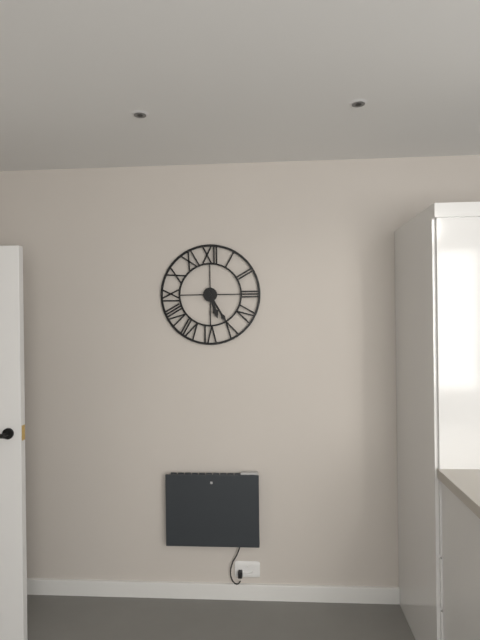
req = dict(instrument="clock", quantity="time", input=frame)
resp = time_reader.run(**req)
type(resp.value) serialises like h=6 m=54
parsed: h=5 m=25
